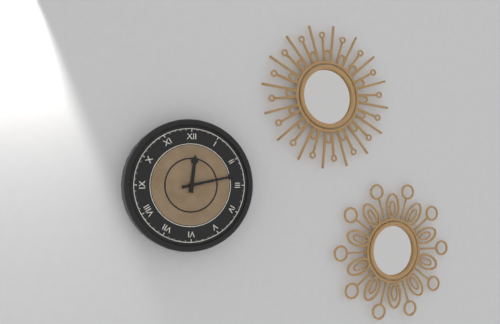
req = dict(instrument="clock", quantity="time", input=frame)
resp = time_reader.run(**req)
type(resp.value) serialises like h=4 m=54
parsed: h=12 m=13
